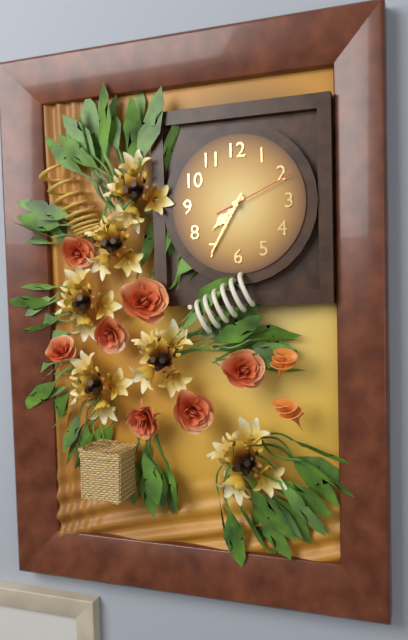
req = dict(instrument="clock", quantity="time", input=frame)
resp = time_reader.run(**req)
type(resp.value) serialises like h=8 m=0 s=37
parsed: h=7 m=35 s=11
